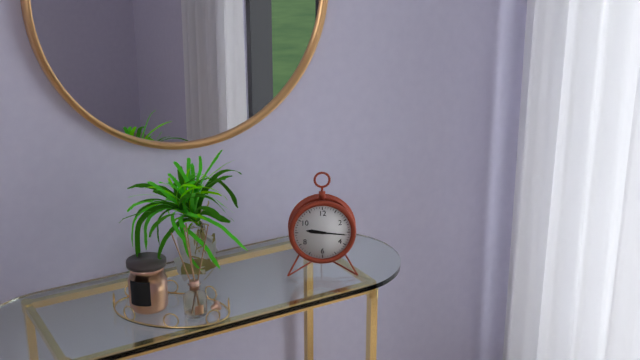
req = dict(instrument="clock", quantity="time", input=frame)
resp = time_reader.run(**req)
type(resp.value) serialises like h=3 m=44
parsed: h=9 m=16
